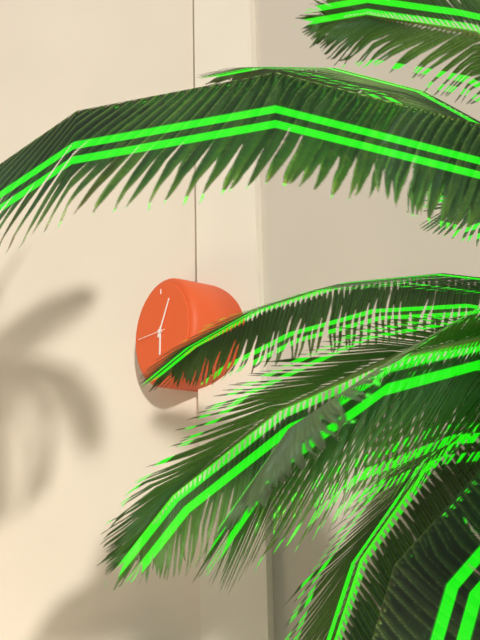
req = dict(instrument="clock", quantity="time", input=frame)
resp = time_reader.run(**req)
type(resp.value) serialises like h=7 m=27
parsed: h=6 m=5
